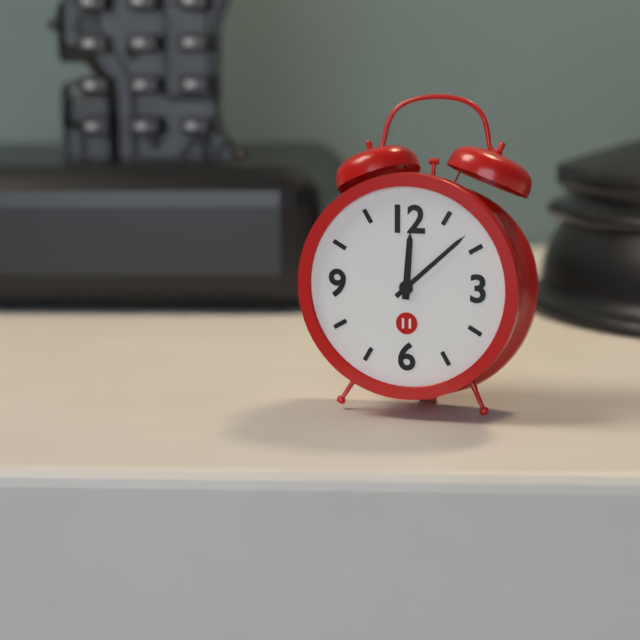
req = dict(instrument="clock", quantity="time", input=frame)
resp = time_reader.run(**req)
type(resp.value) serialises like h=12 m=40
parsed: h=12 m=8
